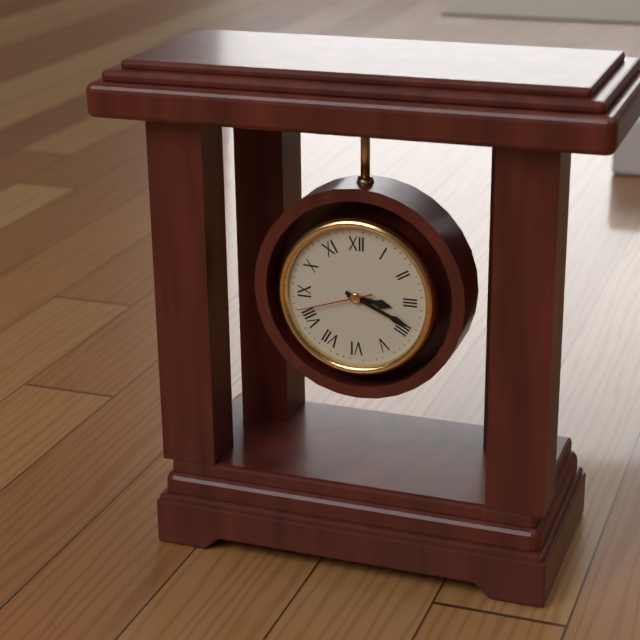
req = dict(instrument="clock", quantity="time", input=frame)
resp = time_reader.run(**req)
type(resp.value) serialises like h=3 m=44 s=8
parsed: h=3 m=19 s=42
